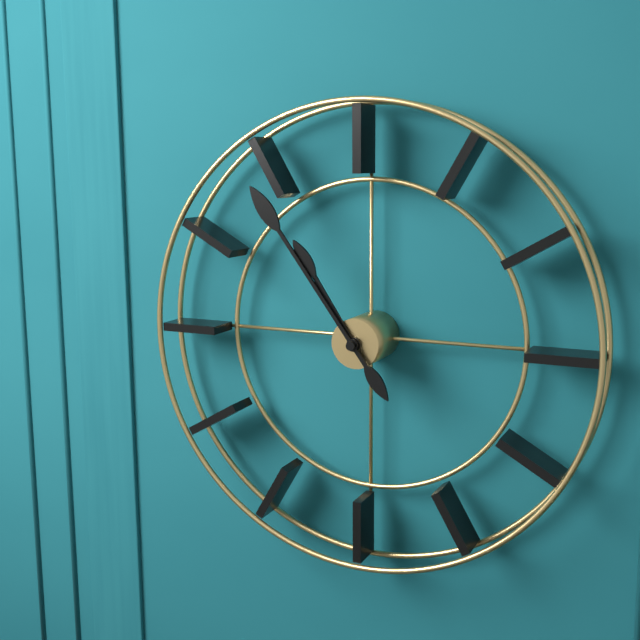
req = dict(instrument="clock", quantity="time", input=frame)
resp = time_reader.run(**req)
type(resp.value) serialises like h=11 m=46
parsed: h=10 m=54
